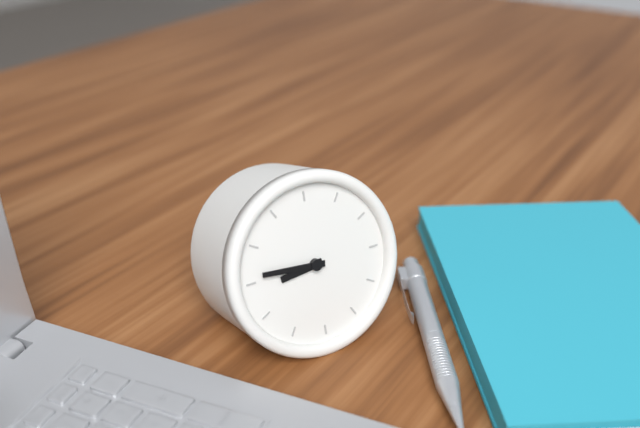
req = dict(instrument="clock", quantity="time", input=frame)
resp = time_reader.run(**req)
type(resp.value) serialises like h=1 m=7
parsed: h=8 m=46
